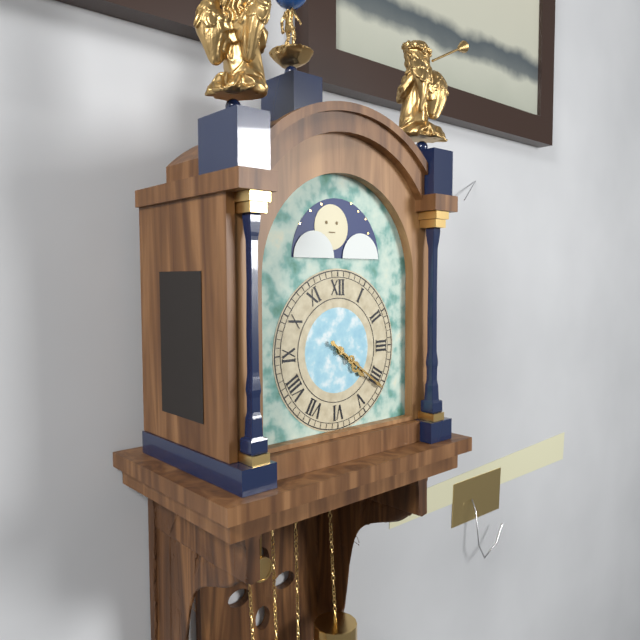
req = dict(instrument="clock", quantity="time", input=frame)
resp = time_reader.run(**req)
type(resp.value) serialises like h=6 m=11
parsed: h=4 m=21
